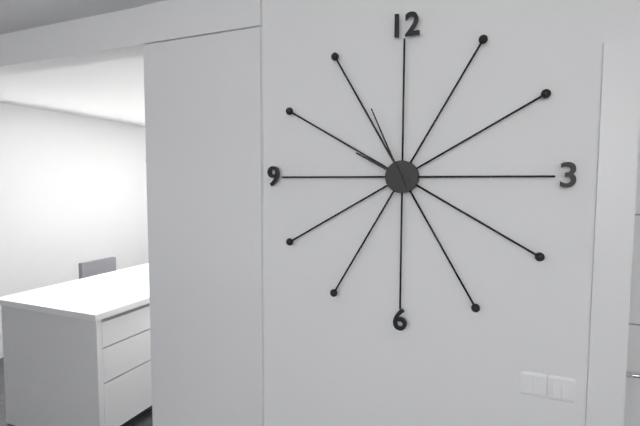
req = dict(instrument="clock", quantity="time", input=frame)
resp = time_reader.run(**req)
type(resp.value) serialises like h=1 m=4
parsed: h=9 m=56
